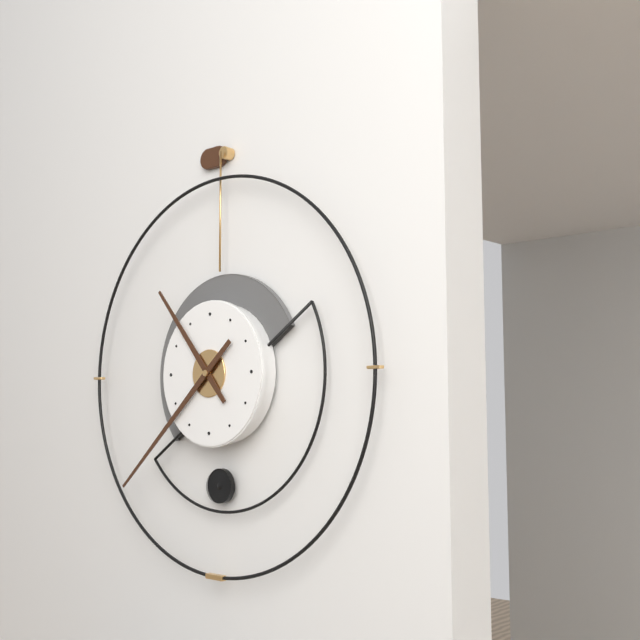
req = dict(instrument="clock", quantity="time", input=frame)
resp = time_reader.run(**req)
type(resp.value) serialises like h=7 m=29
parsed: h=10 m=38
